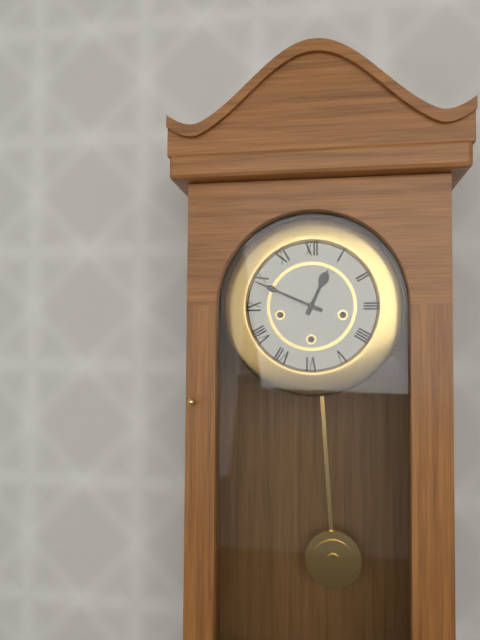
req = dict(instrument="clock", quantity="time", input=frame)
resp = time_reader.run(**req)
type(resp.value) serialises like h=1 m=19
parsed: h=12 m=49
